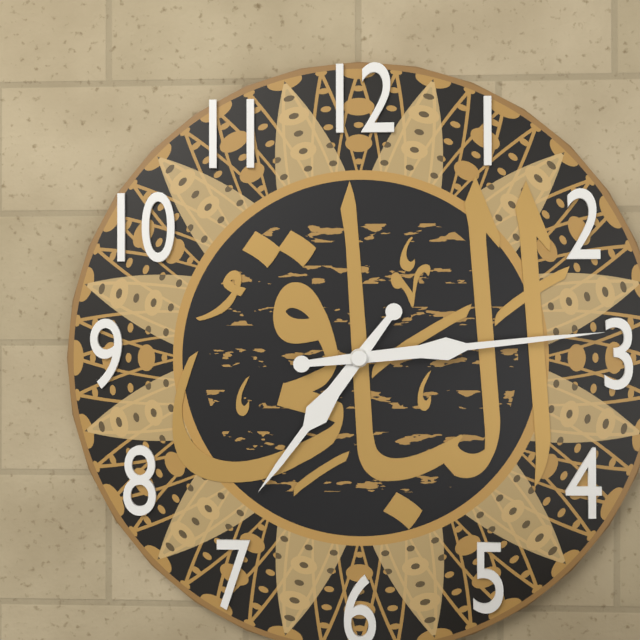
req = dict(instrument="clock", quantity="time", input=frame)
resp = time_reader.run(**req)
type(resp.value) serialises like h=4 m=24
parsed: h=7 m=14
